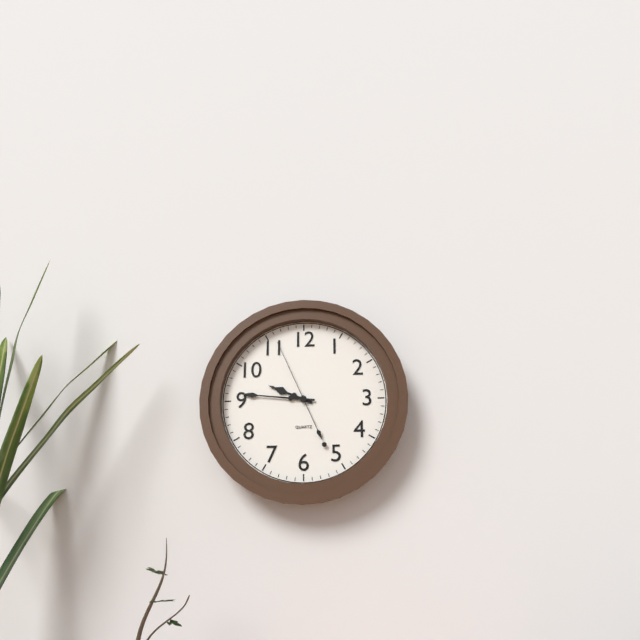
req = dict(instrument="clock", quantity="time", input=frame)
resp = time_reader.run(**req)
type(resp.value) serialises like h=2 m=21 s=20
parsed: h=9 m=46 s=56
